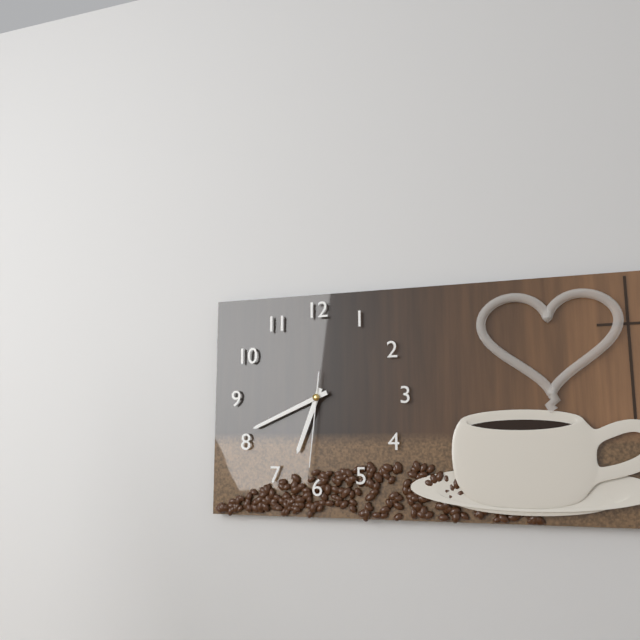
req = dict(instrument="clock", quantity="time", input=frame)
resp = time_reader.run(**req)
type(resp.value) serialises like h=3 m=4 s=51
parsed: h=6 m=41 s=31
